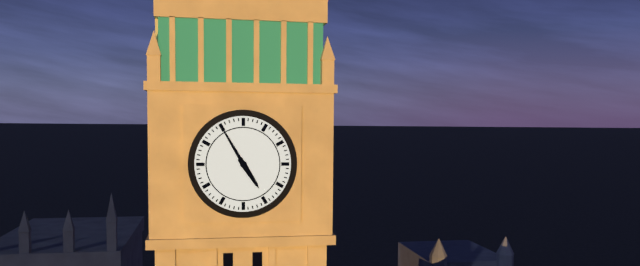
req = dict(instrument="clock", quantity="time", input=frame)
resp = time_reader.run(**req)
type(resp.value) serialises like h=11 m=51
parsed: h=4 m=55
